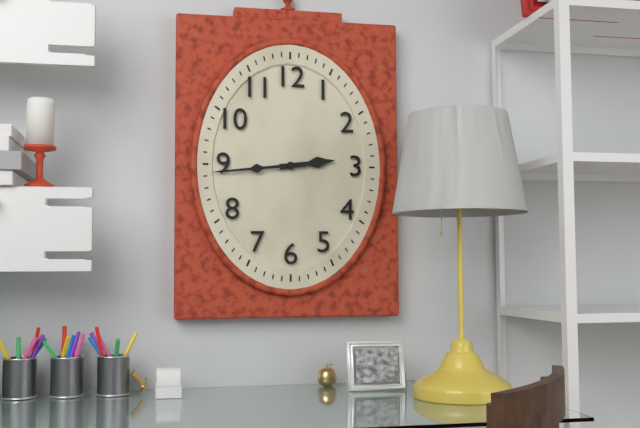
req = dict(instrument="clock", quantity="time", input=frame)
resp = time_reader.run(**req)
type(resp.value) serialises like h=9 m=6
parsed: h=2 m=44
